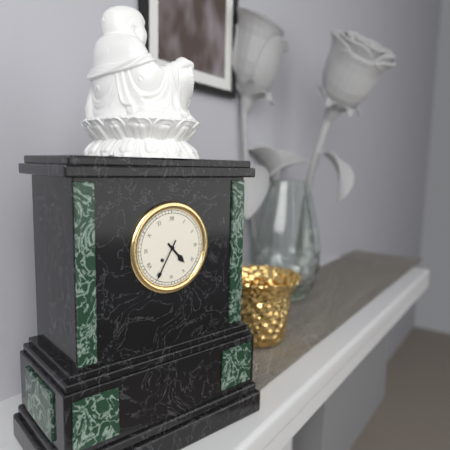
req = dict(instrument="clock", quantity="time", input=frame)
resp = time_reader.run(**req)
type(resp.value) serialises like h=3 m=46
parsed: h=4 m=35
